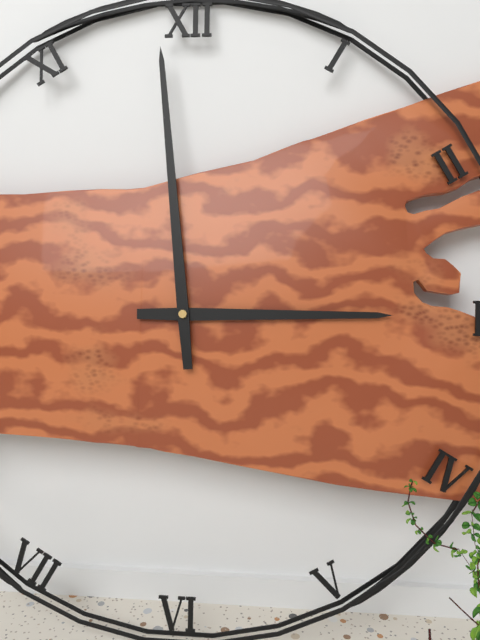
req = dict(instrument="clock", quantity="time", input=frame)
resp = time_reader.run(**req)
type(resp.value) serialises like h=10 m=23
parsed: h=2 m=59
